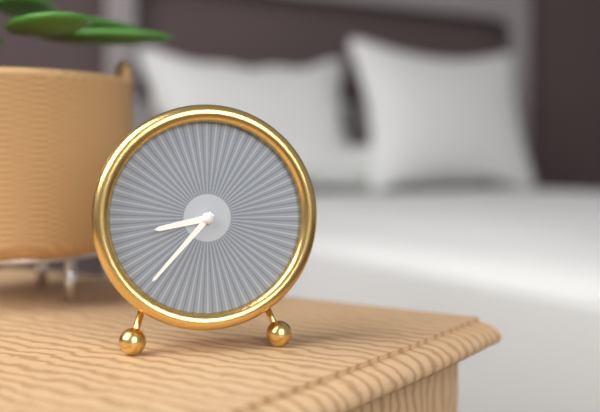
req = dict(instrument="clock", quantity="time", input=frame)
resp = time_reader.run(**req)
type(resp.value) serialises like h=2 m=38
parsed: h=8 m=37
